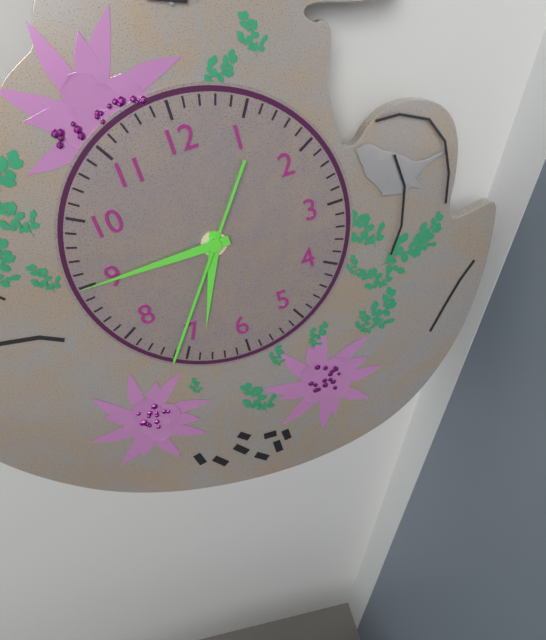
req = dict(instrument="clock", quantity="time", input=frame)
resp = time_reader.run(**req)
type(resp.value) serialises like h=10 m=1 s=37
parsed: h=6 m=45 s=36
